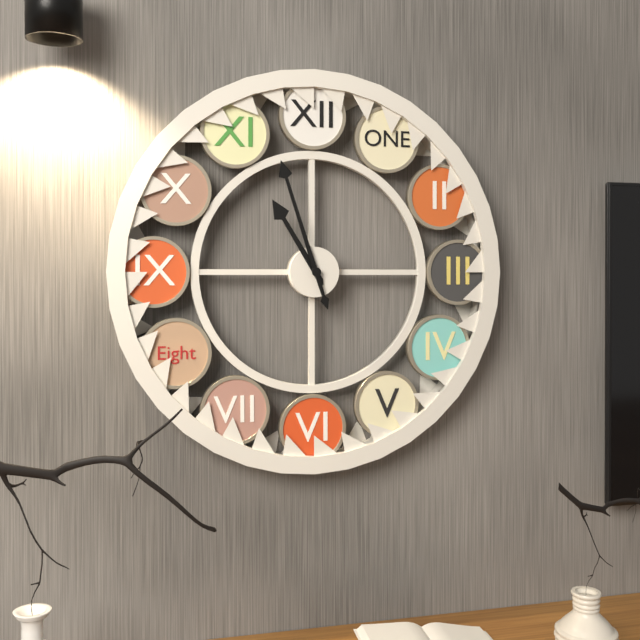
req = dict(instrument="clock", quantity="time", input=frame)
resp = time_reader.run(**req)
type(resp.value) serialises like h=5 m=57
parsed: h=10 m=57
